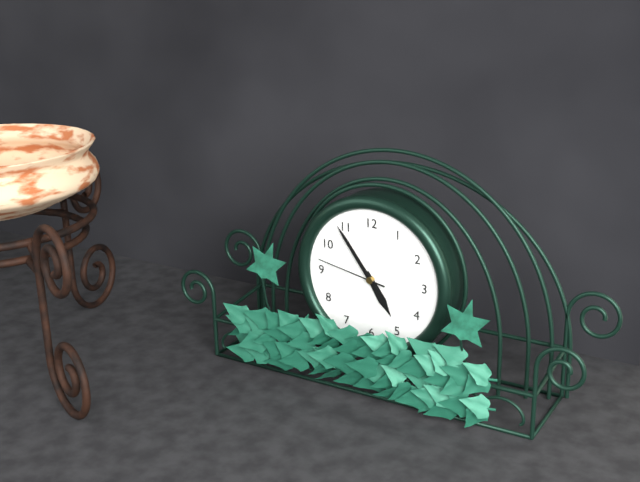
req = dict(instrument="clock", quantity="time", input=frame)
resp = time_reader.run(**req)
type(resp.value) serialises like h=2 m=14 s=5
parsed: h=4 m=54 s=47
